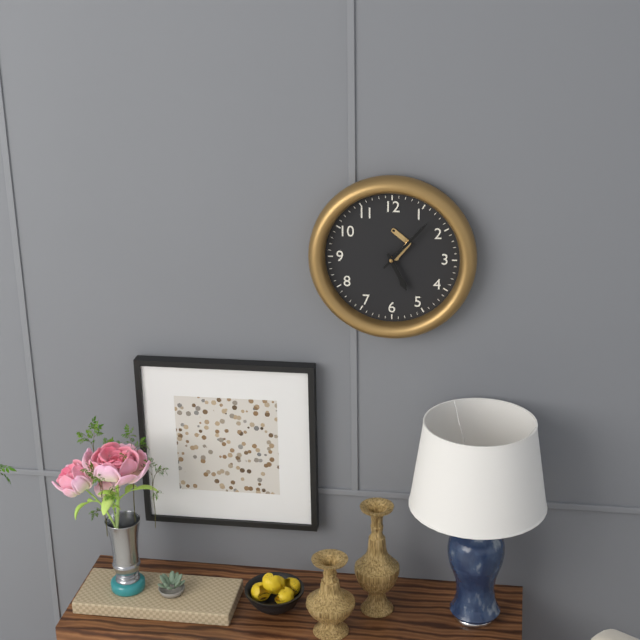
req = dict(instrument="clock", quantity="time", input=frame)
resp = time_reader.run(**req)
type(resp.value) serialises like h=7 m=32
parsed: h=5 m=7
